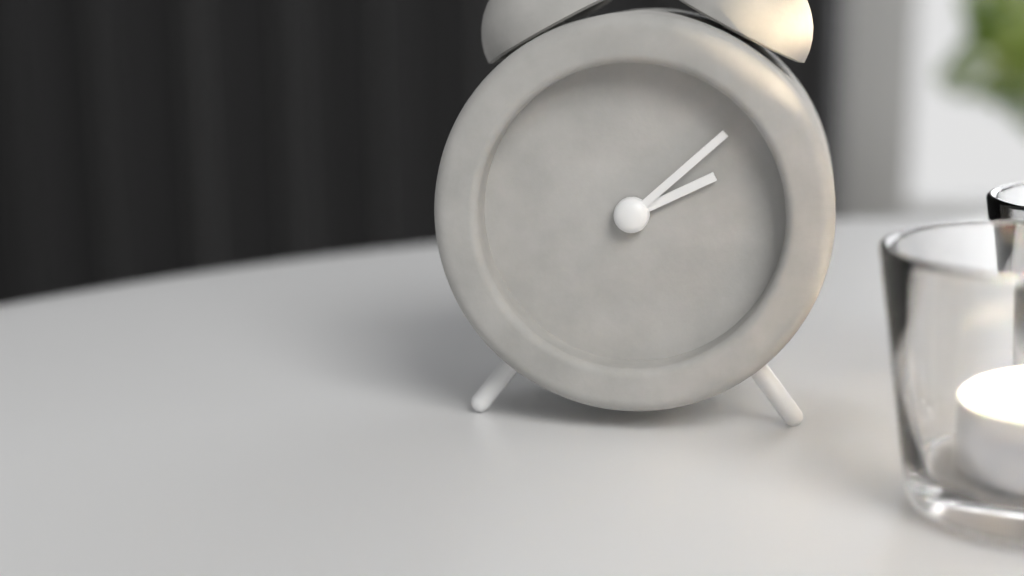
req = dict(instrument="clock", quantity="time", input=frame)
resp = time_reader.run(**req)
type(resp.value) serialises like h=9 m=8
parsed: h=2 m=8
